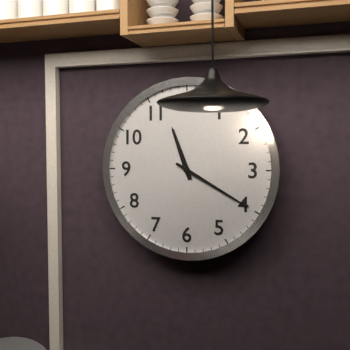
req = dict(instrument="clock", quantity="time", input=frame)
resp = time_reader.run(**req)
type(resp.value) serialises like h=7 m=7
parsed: h=11 m=20
